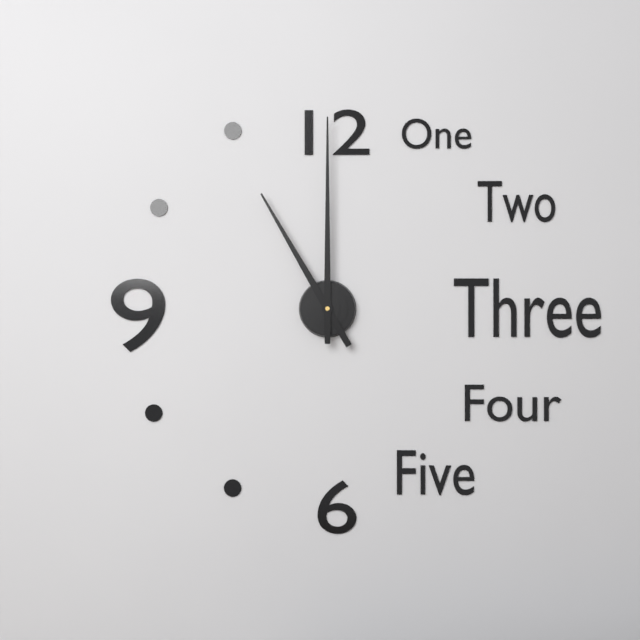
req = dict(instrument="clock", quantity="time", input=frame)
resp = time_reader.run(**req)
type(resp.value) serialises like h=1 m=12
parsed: h=11 m=0
